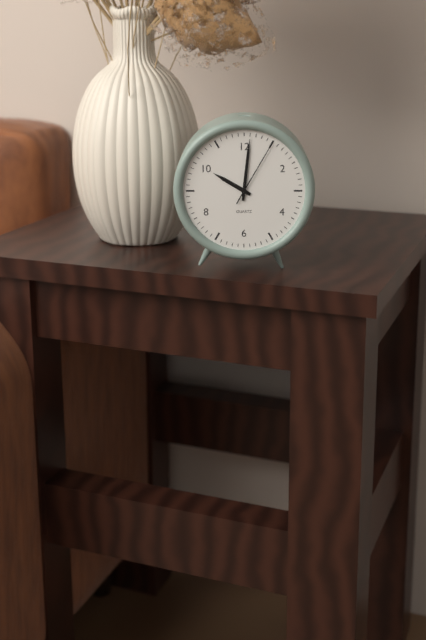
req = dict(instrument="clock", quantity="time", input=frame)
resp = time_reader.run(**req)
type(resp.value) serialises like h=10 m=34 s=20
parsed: h=10 m=1 s=5
